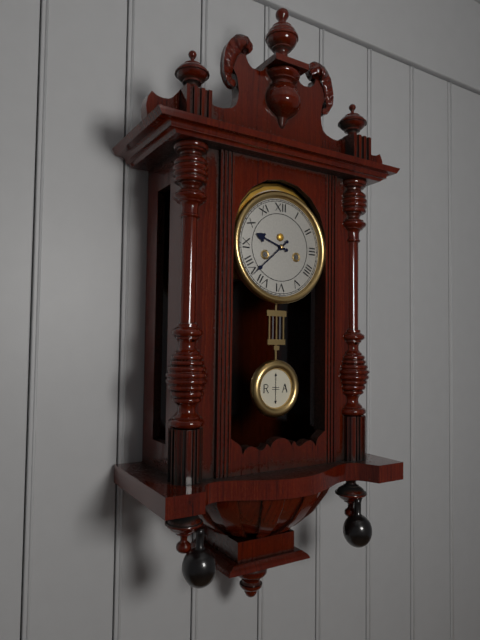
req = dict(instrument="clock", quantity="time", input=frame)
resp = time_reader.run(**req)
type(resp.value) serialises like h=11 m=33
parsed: h=9 m=38
